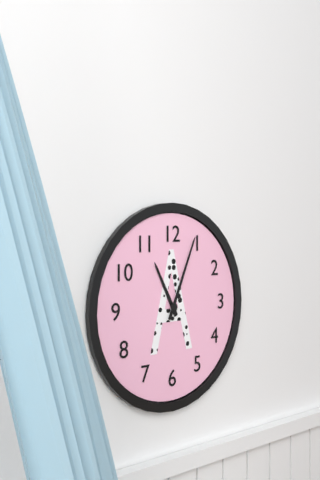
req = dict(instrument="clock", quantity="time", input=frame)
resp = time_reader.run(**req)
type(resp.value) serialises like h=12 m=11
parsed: h=11 m=4
